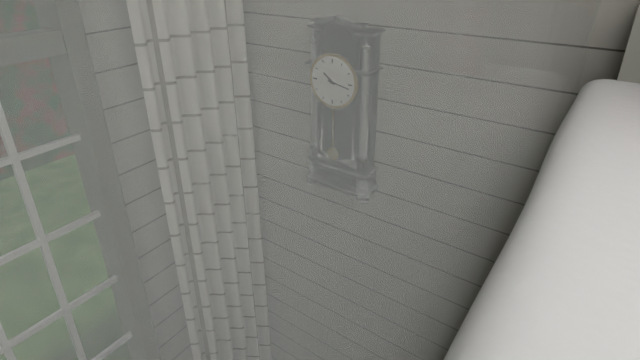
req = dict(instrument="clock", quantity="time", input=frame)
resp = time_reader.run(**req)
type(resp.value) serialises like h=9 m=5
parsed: h=10 m=17
